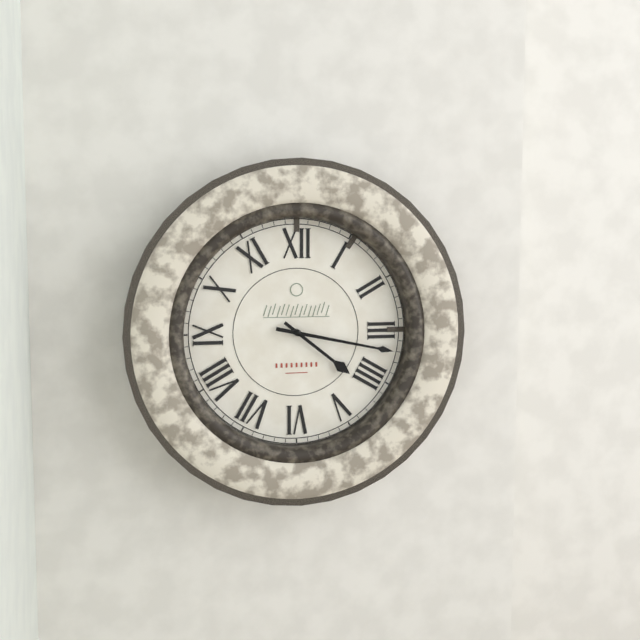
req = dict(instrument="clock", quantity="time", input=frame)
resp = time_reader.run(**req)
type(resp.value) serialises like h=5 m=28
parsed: h=4 m=17
